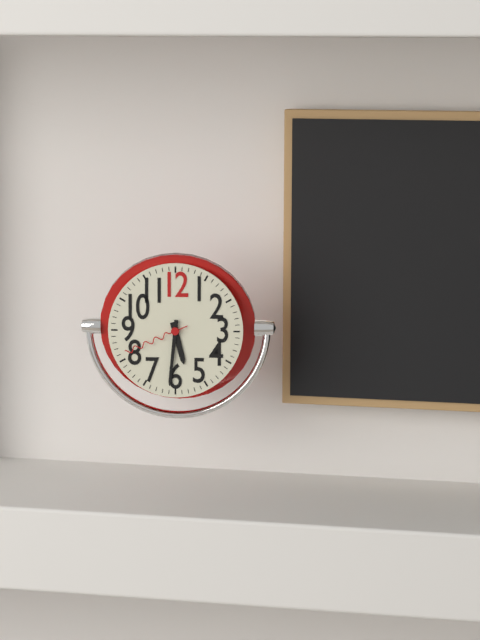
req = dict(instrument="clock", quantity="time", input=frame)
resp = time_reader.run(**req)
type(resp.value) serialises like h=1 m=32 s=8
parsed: h=5 m=31 s=41
